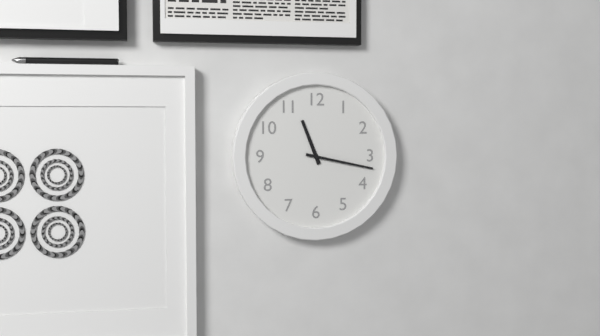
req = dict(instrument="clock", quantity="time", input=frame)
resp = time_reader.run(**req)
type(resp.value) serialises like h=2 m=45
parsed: h=11 m=17
